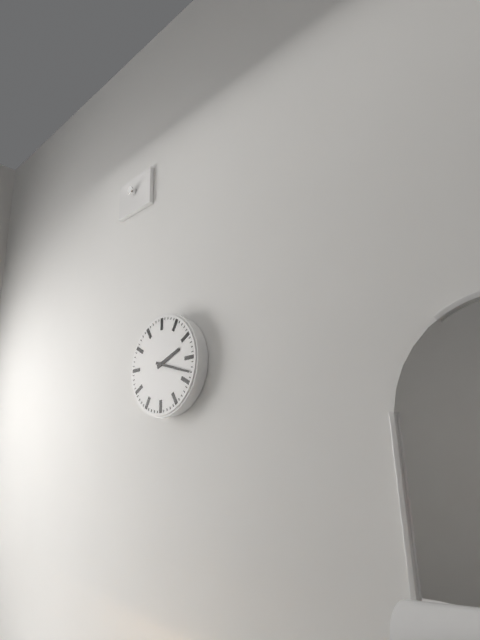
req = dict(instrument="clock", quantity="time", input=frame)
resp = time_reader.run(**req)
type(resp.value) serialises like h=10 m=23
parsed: h=2 m=18
